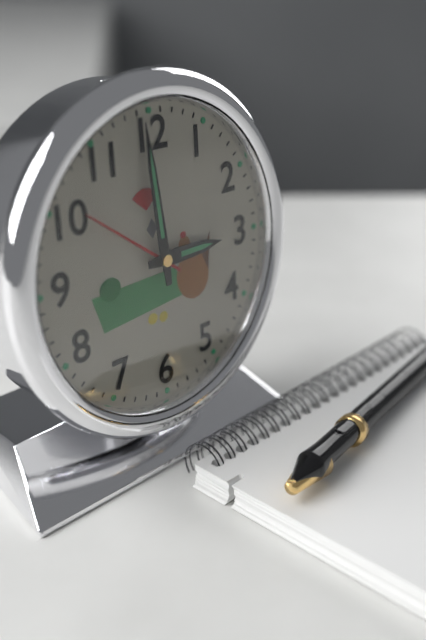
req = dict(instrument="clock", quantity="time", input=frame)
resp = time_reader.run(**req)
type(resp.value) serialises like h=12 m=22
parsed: h=2 m=59
